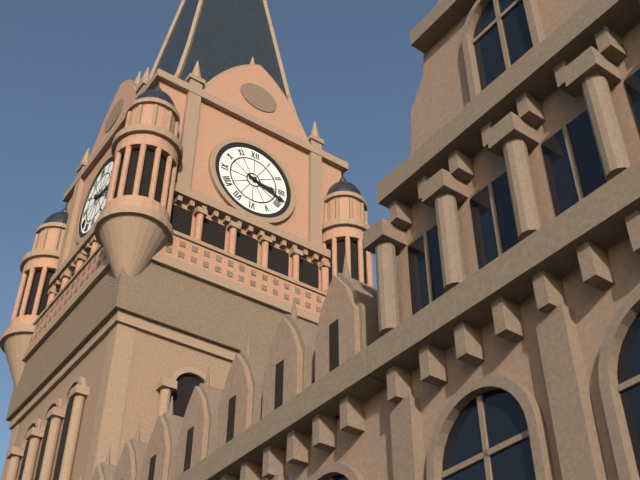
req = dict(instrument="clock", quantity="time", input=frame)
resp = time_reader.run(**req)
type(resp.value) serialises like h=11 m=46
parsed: h=3 m=18
